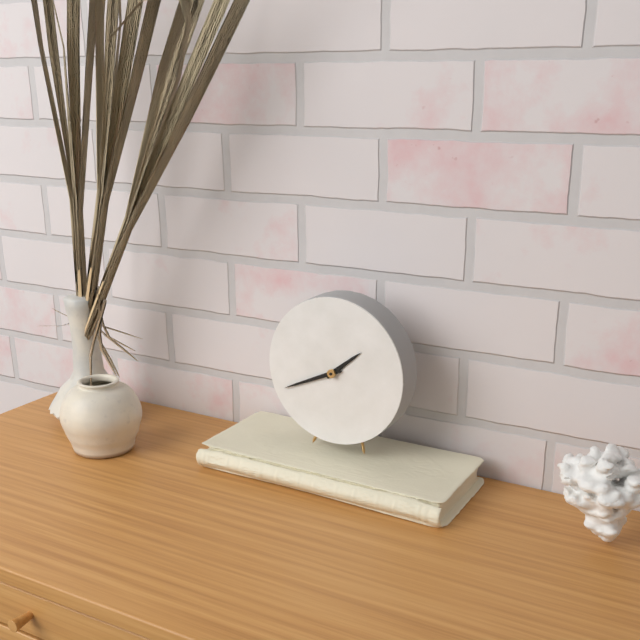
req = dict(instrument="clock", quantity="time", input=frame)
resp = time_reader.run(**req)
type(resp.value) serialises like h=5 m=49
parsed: h=1 m=41
